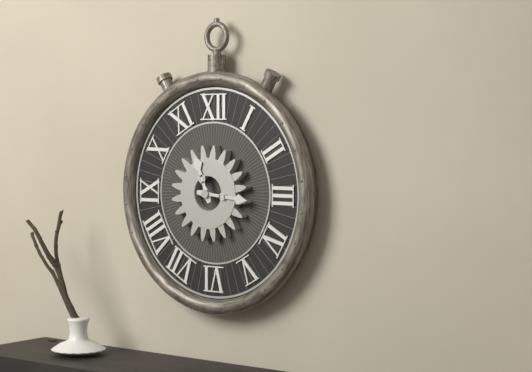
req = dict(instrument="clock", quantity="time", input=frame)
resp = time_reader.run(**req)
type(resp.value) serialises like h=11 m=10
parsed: h=11 m=16
